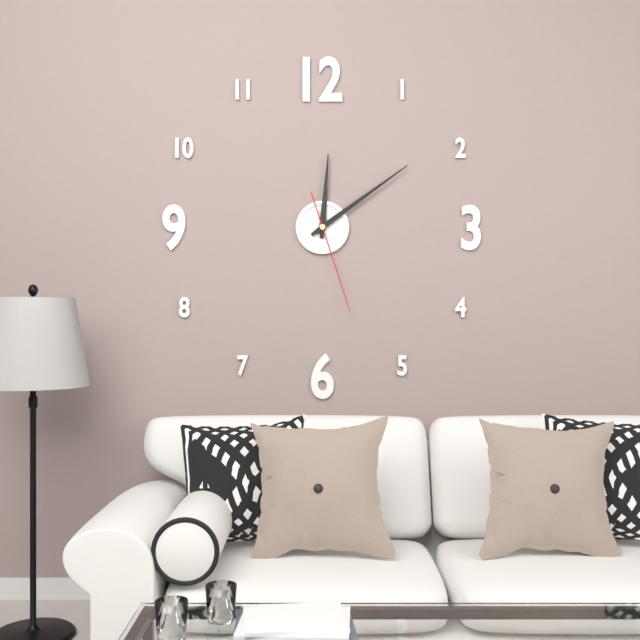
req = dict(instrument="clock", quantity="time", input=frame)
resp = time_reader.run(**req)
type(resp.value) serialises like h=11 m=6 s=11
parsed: h=12 m=9 s=27
